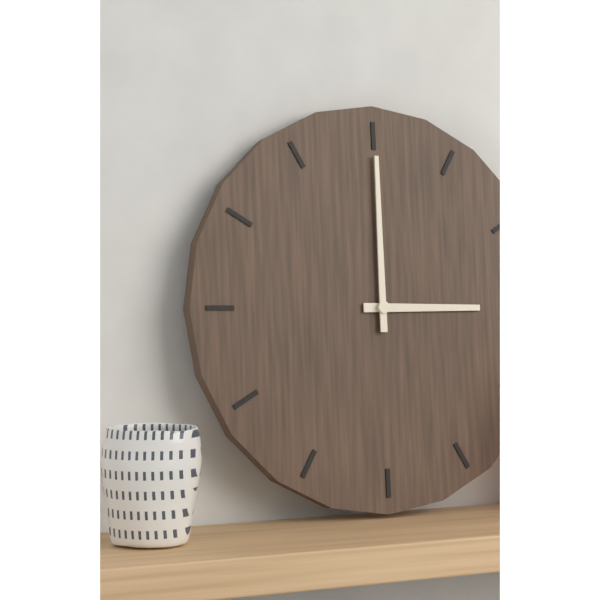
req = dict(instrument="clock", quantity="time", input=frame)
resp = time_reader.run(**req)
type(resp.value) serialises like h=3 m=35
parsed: h=3 m=0
